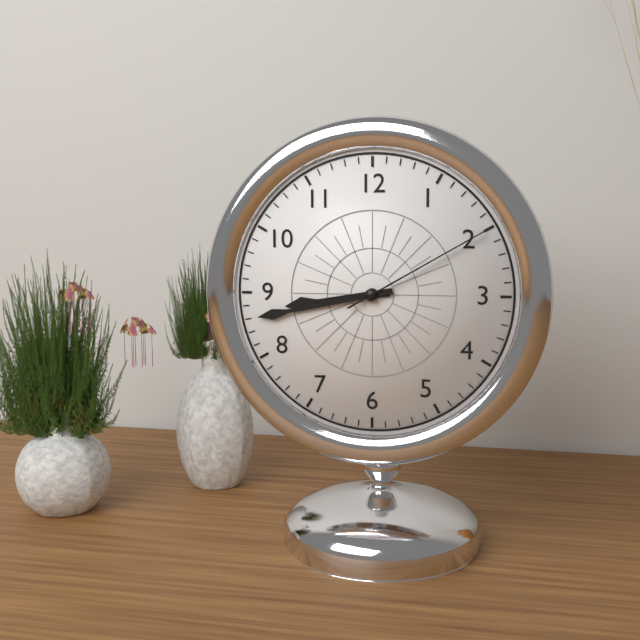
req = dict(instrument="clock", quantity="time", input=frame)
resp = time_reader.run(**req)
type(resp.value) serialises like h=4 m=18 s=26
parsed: h=8 m=43 s=10
